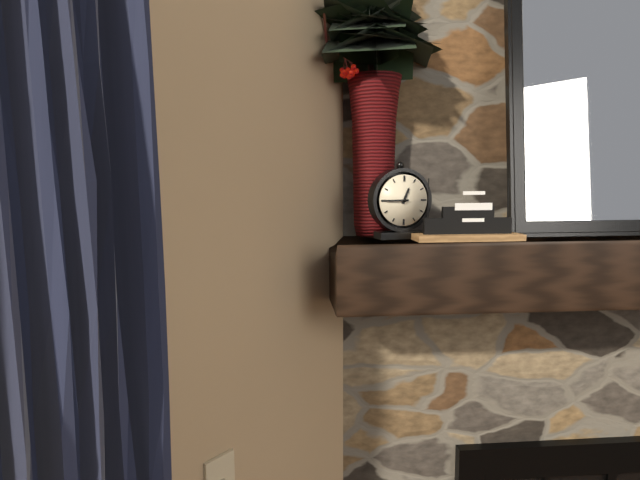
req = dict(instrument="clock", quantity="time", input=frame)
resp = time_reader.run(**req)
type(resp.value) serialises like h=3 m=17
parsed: h=12 m=45
